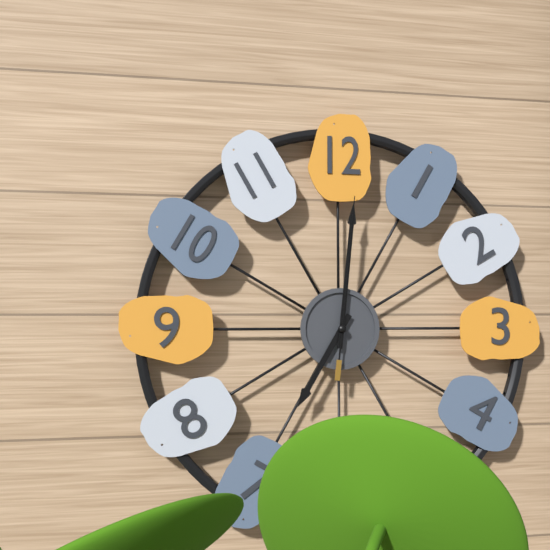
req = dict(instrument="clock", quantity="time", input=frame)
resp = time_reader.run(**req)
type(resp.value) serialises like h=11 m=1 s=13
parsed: h=7 m=1 s=1
